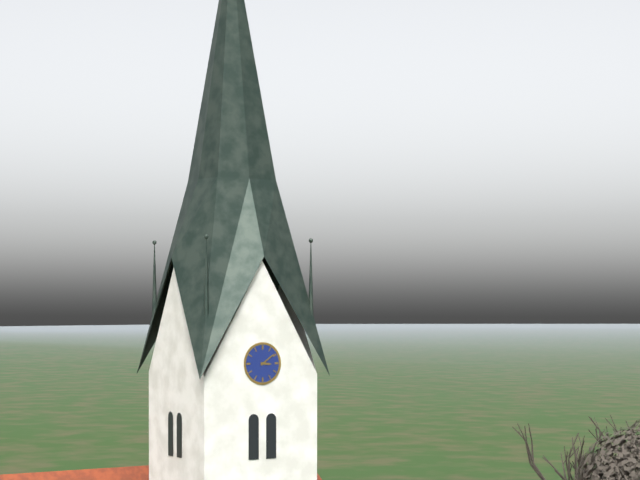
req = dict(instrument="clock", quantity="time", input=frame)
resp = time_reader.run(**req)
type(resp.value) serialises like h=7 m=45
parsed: h=3 m=9
